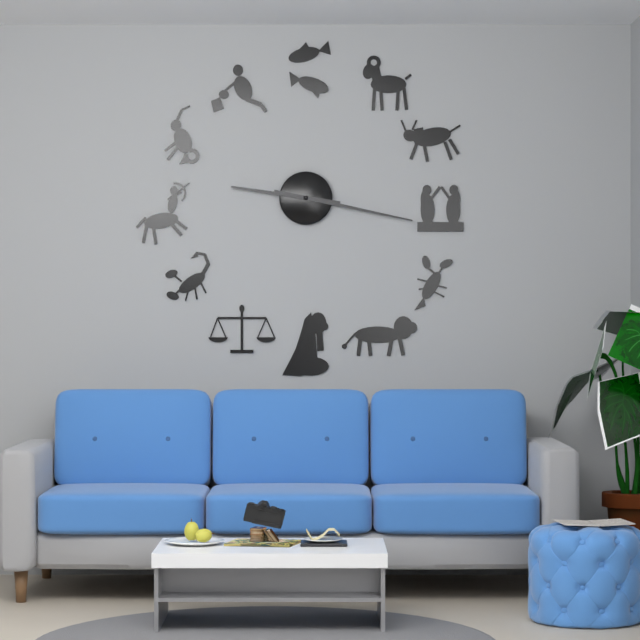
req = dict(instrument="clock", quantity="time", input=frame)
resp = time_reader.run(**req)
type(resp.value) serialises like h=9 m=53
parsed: h=9 m=17
